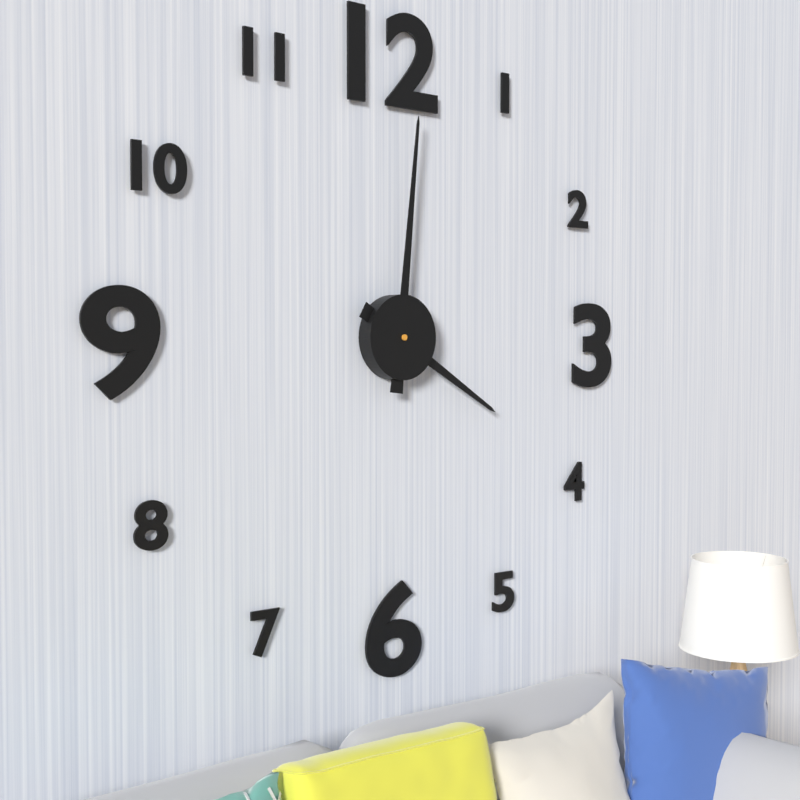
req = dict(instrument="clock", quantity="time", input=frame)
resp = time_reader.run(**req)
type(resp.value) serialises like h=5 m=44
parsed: h=4 m=1
